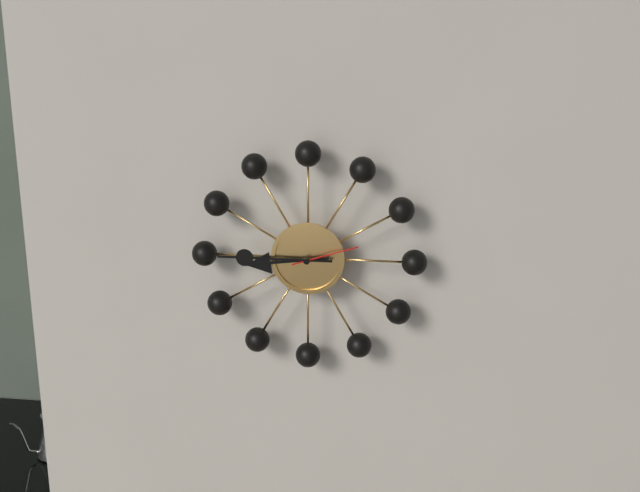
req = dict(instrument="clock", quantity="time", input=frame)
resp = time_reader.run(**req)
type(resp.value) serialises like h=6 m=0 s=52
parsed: h=8 m=45 s=12
